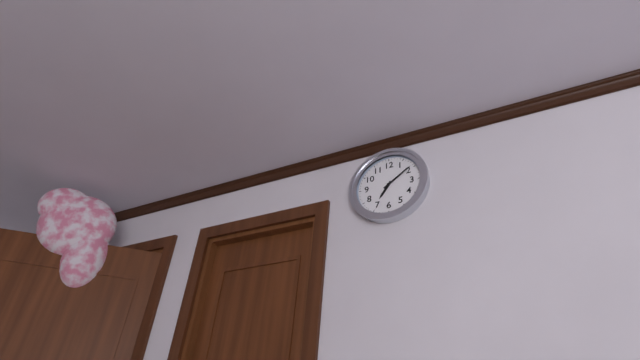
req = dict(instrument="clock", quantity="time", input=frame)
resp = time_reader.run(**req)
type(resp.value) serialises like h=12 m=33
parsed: h=7 m=9
